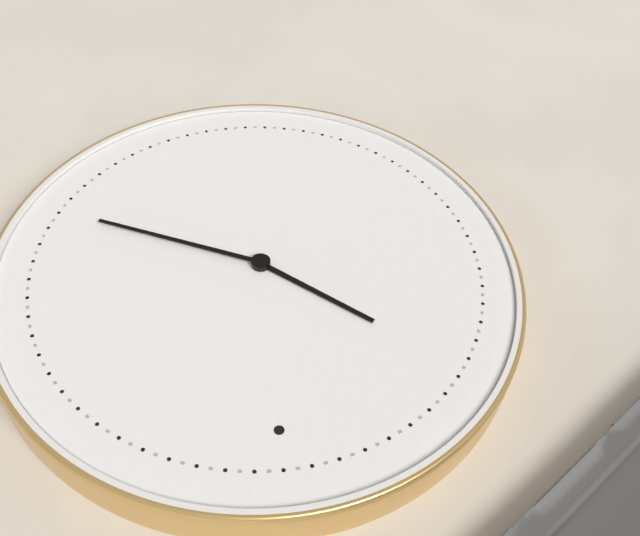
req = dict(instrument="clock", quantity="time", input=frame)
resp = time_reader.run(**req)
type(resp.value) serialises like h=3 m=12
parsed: h=10 m=19
